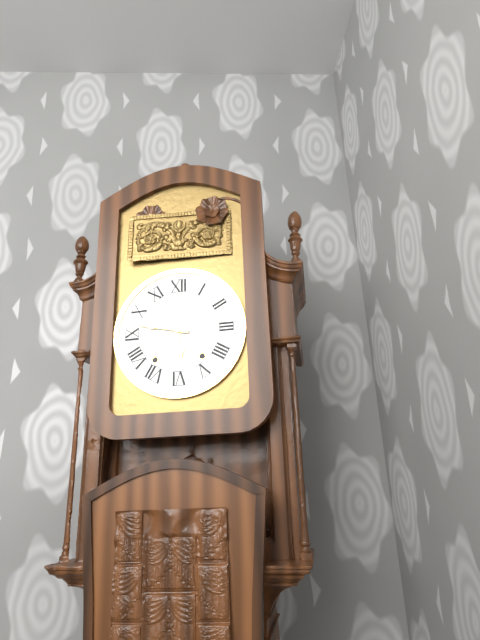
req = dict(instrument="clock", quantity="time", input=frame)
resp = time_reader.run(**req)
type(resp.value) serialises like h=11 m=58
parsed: h=5 m=47
